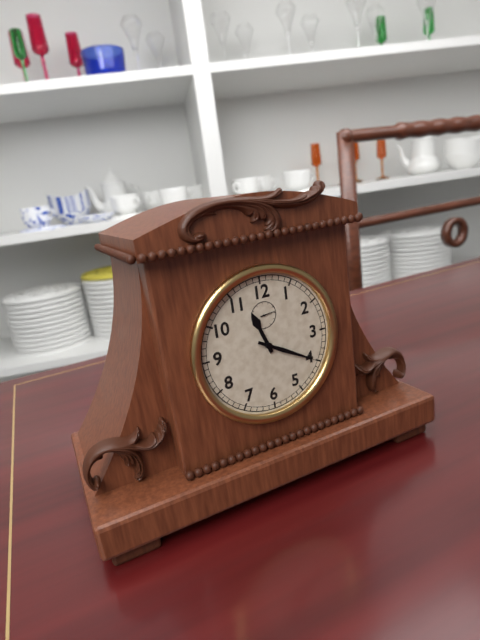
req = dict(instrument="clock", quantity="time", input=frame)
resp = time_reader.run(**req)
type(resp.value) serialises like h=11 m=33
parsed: h=11 m=20
